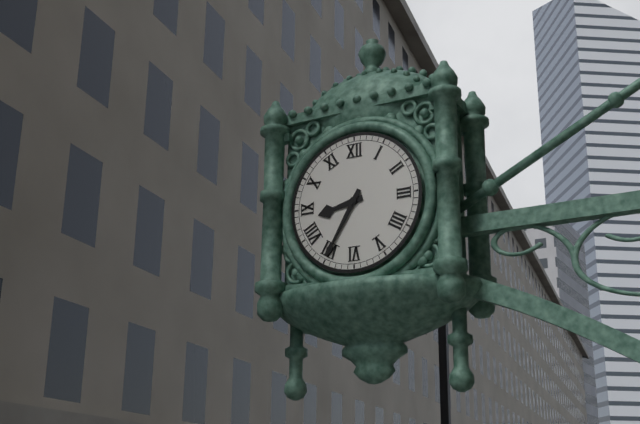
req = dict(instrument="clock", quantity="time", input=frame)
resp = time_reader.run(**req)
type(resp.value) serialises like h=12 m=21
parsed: h=8 m=35
